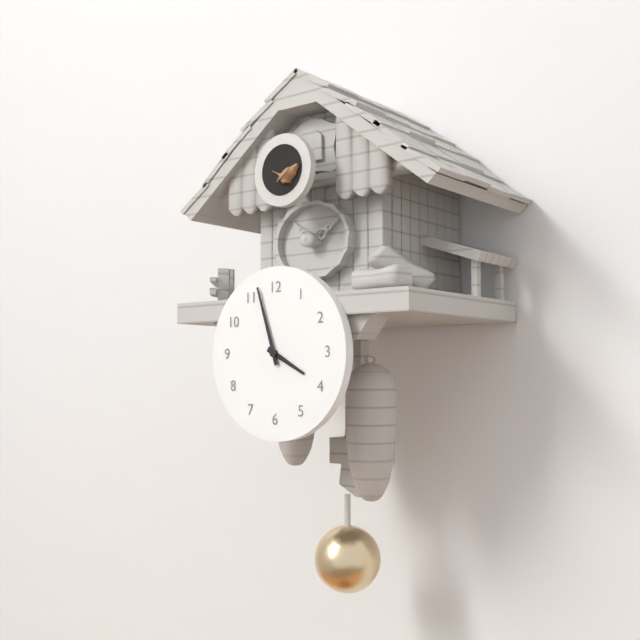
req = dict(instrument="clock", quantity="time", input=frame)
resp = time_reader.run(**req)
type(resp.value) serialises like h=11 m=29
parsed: h=3 m=57
